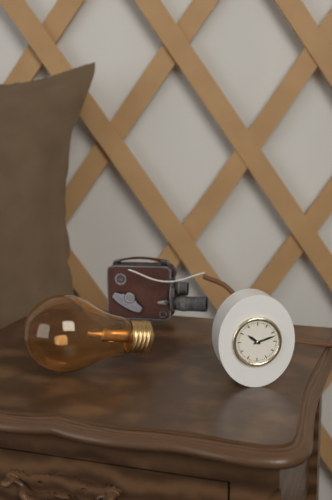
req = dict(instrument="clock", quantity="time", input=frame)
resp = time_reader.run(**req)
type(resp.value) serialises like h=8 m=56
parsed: h=10 m=12
